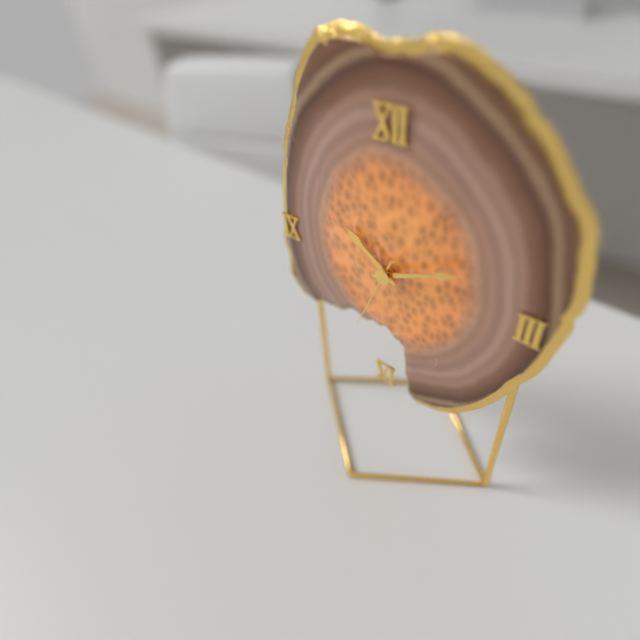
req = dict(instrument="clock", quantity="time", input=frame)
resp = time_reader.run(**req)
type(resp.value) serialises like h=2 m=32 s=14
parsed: h=10 m=11 s=34
